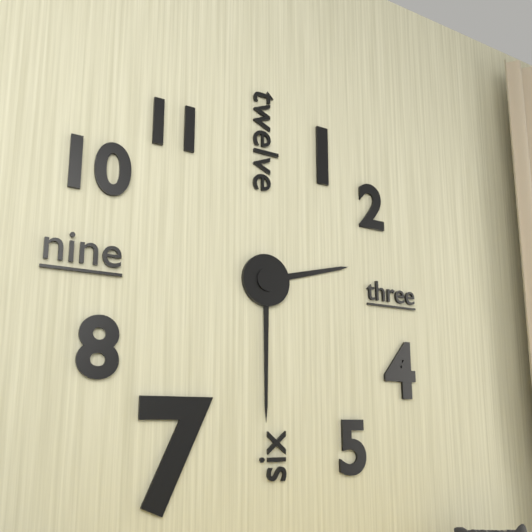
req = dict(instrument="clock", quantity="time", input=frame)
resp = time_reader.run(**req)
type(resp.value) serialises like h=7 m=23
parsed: h=2 m=30
